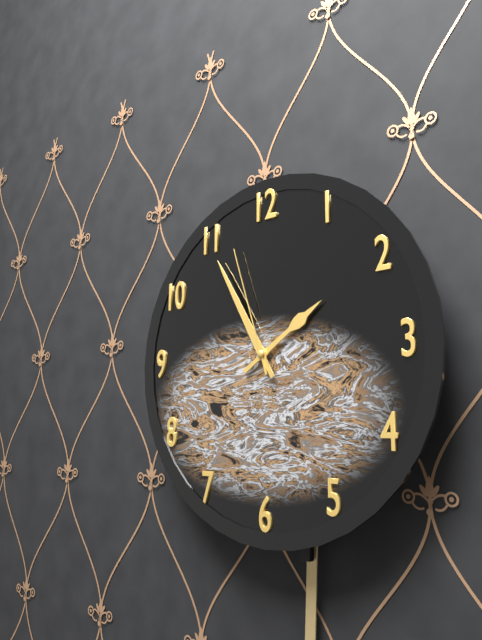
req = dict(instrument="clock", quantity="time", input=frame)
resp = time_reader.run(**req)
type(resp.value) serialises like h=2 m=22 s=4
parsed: h=1 m=55 s=57
